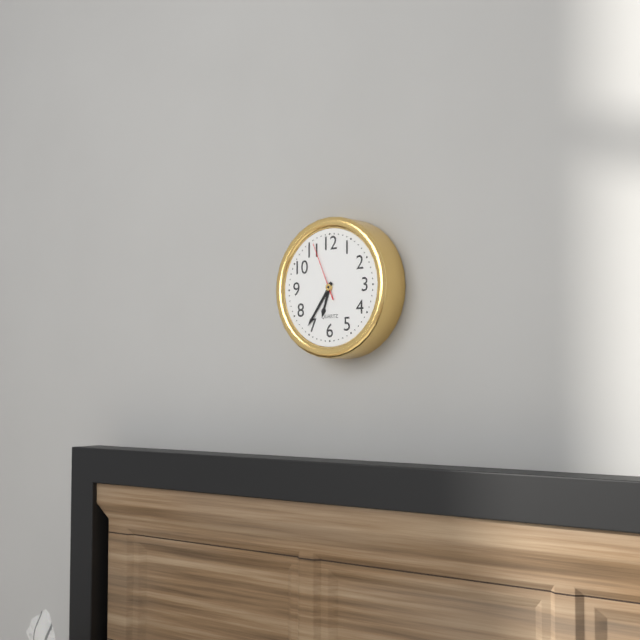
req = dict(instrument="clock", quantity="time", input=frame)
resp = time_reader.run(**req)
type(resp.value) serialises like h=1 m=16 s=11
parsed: h=6 m=36 s=56
